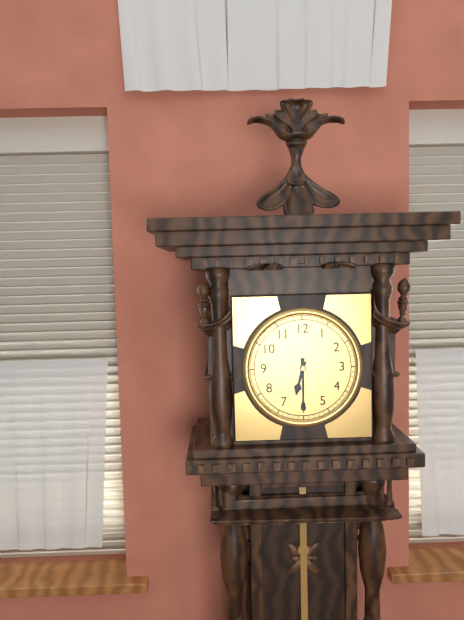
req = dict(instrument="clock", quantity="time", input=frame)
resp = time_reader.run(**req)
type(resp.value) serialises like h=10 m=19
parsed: h=6 m=30
